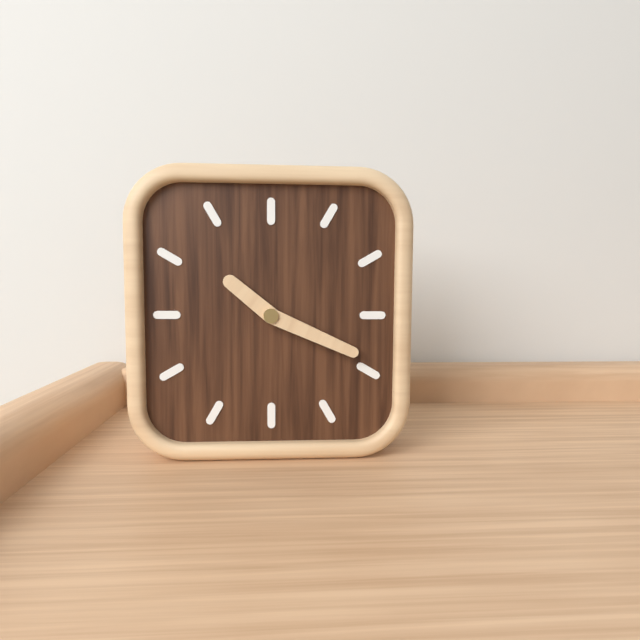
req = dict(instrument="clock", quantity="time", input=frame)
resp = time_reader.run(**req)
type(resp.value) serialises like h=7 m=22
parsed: h=10 m=19
